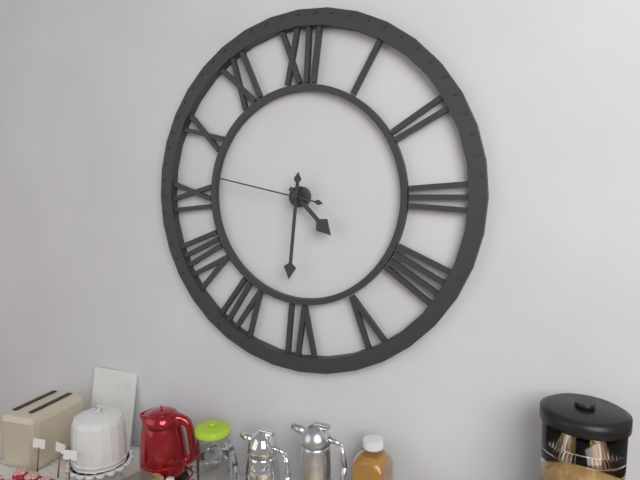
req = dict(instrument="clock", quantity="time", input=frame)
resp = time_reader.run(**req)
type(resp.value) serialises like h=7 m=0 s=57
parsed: h=4 m=31 s=47
